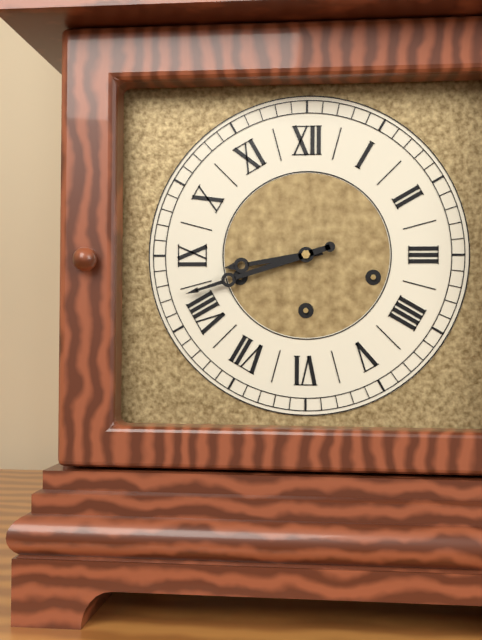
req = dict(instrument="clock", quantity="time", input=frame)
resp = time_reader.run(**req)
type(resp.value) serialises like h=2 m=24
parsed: h=8 m=42
